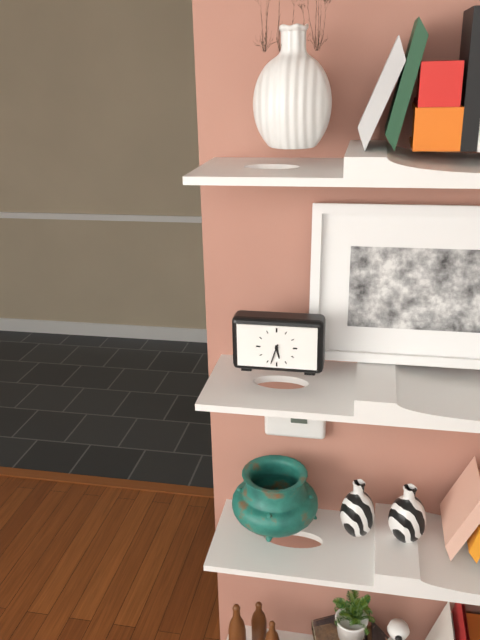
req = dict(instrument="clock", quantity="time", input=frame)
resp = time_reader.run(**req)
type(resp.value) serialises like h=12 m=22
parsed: h=5 m=33
